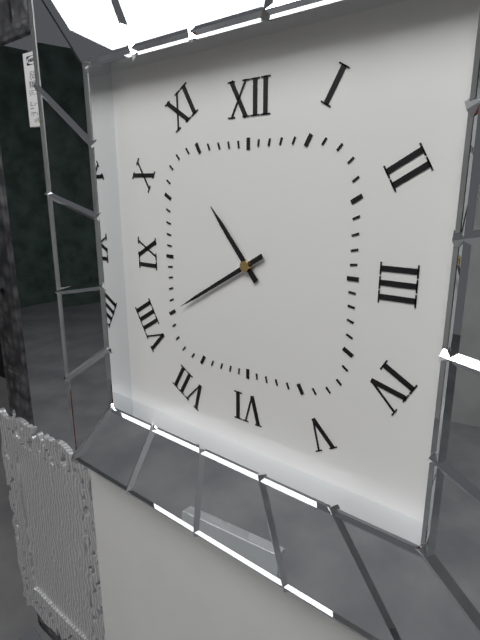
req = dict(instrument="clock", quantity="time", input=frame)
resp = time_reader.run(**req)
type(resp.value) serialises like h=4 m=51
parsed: h=10 m=40
